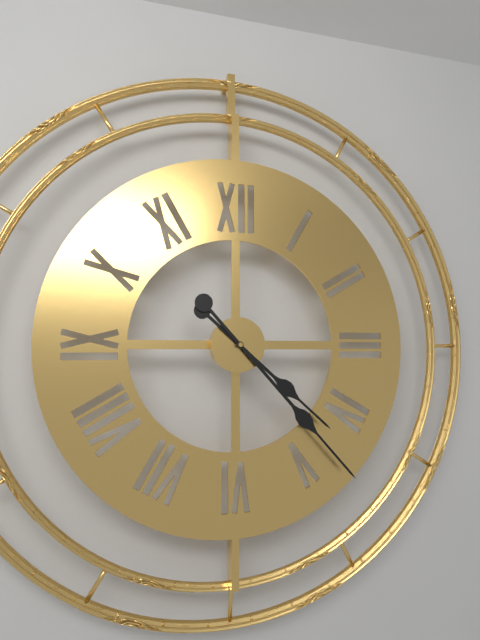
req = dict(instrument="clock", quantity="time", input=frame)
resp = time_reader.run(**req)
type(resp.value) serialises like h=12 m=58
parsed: h=4 m=23
